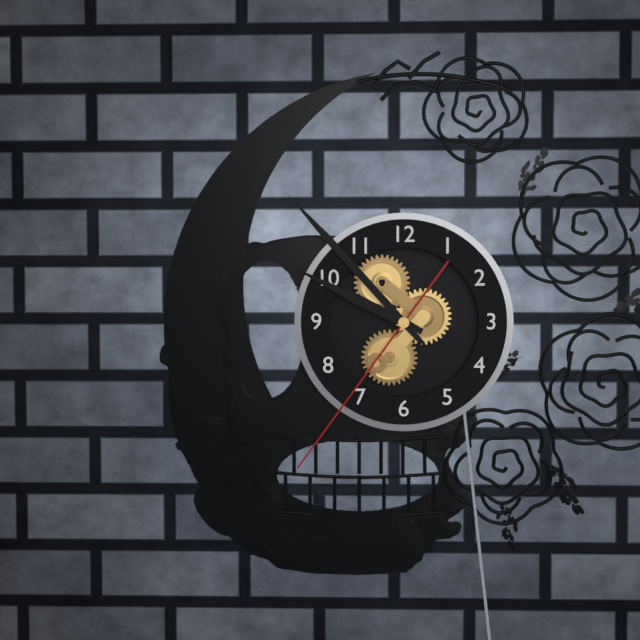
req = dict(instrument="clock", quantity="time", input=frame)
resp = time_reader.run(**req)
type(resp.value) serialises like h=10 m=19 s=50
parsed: h=9 m=53 s=36
